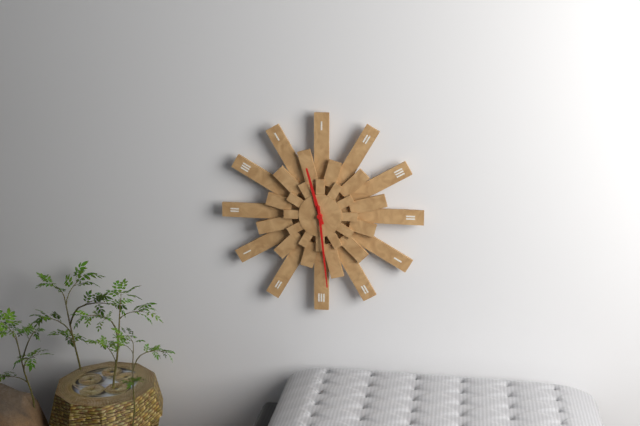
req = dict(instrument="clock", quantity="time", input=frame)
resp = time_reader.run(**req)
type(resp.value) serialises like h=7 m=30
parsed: h=11 m=29
